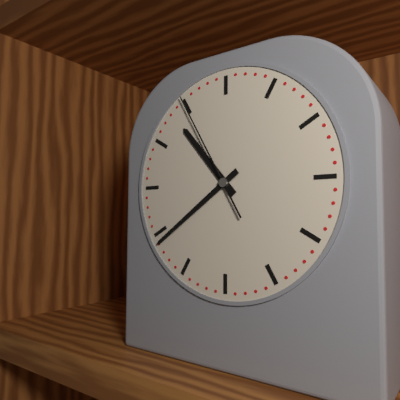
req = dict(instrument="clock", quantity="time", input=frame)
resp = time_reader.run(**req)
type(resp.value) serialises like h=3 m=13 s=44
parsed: h=10 m=39 s=55
